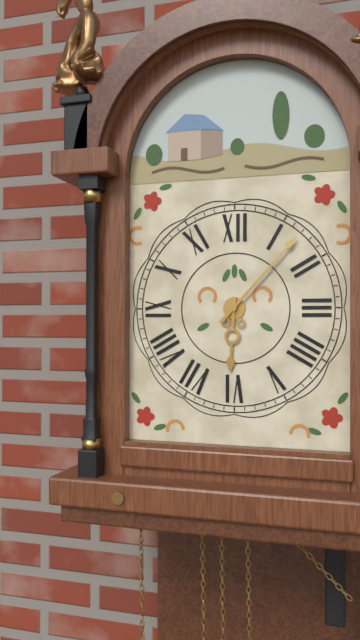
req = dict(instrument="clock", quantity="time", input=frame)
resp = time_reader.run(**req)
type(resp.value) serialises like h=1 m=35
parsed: h=6 m=7
